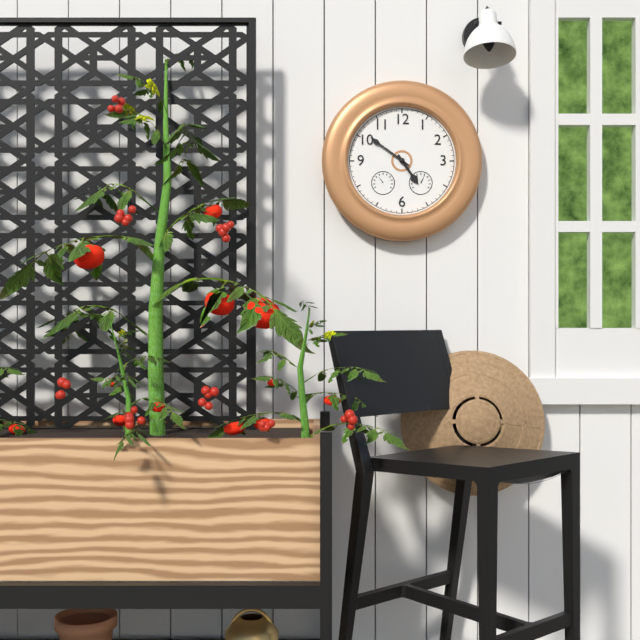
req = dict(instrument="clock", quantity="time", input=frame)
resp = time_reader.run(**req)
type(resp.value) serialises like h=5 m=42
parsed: h=4 m=51
